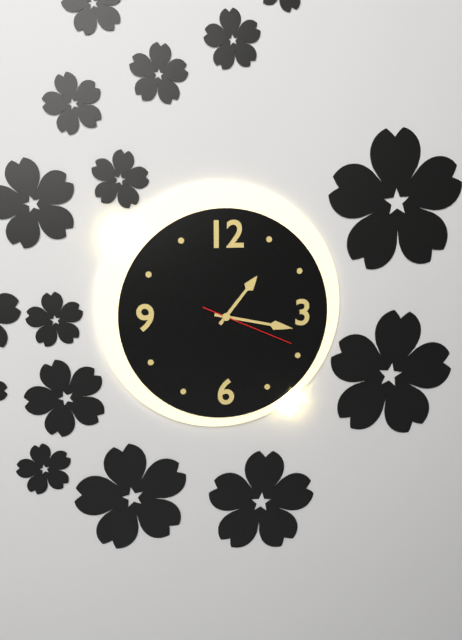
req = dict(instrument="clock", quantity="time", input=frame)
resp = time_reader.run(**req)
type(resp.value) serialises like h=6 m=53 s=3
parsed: h=1 m=17 s=19
